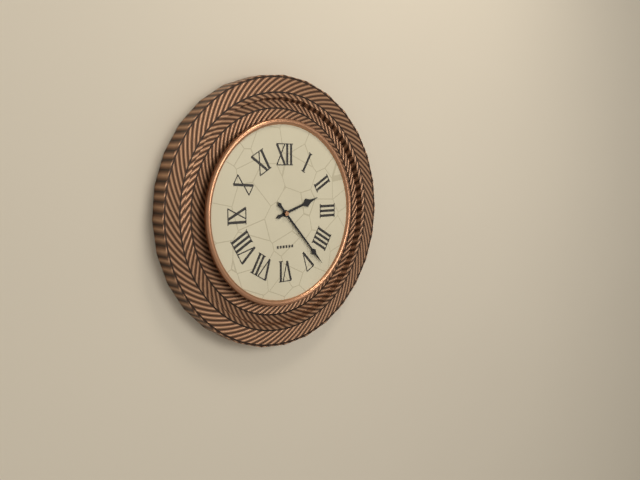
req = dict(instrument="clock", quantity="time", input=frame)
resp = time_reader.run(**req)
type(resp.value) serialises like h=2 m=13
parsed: h=2 m=23
